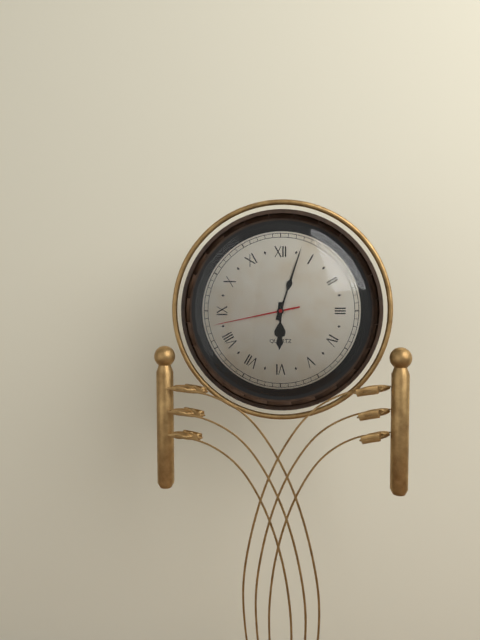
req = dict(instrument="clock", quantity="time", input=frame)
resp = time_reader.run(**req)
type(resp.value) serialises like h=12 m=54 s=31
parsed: h=6 m=3 s=43
